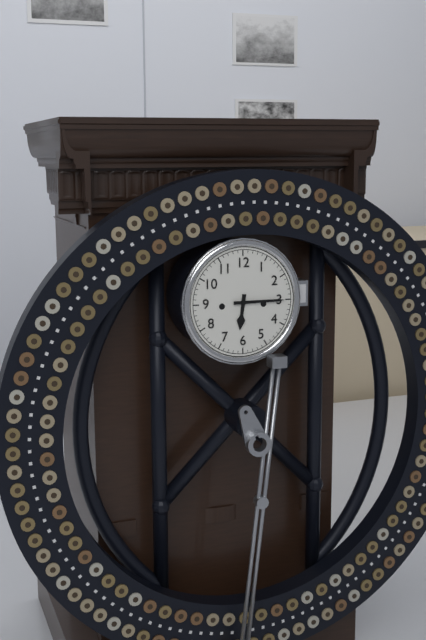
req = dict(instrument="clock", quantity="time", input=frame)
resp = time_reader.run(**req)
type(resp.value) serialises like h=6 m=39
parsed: h=6 m=15
